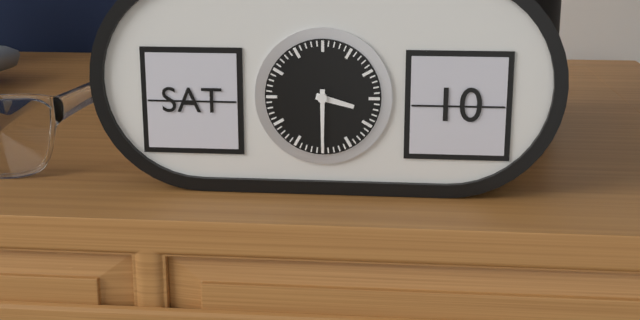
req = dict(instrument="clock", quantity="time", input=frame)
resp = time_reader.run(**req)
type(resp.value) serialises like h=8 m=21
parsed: h=3 m=30
